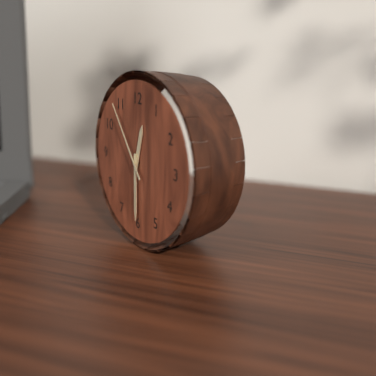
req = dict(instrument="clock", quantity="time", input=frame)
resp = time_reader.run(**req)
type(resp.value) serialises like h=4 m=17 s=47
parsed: h=12 m=30 s=54
